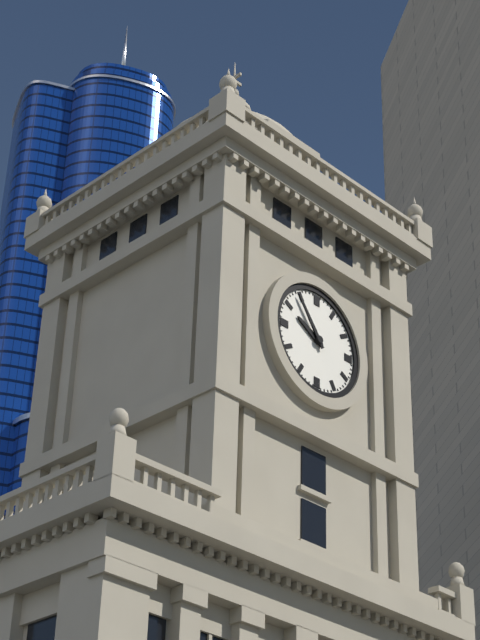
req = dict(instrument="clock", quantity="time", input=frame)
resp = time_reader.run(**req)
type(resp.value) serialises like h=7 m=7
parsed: h=9 m=54
